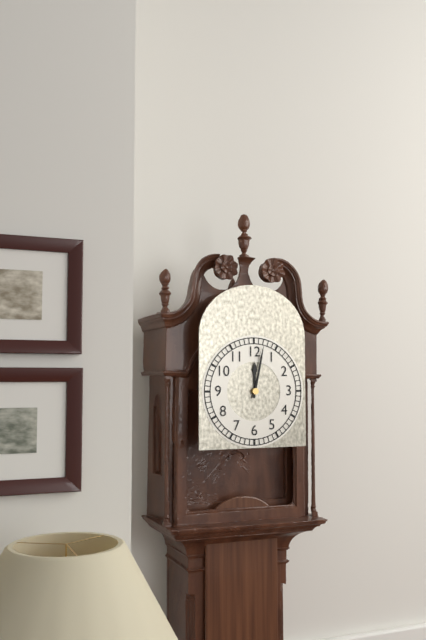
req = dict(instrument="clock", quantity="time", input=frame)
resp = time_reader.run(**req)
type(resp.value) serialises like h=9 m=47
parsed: h=12 m=2
